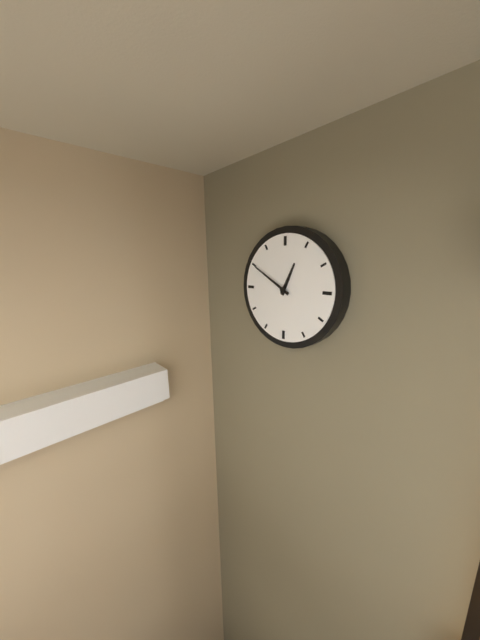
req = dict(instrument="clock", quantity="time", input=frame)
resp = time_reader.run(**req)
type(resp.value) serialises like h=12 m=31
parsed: h=12 m=50
